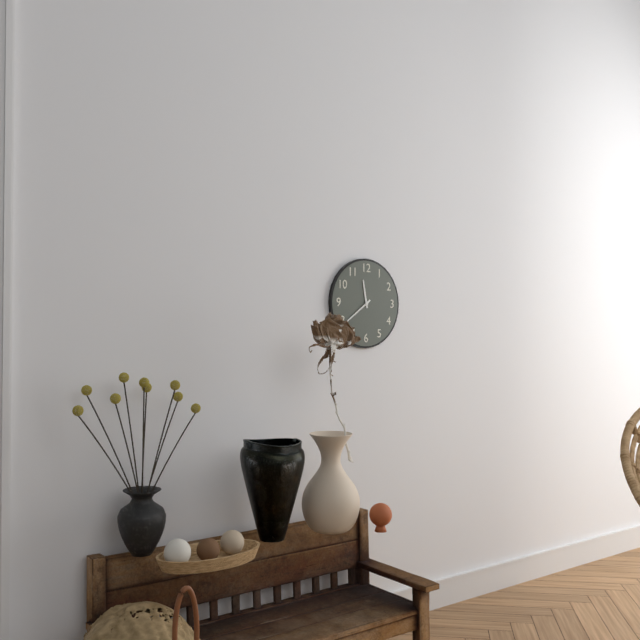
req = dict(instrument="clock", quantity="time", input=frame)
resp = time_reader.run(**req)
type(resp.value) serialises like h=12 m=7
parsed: h=11 m=39
